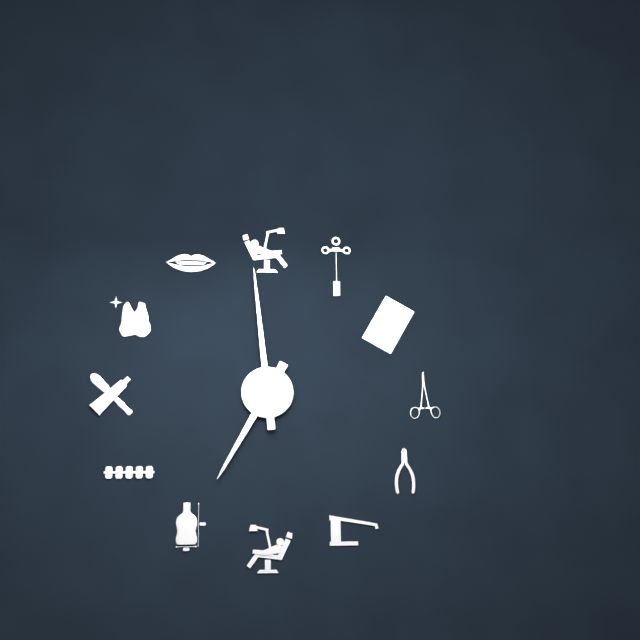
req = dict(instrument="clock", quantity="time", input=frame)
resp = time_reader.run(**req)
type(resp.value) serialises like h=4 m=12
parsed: h=6 m=59
